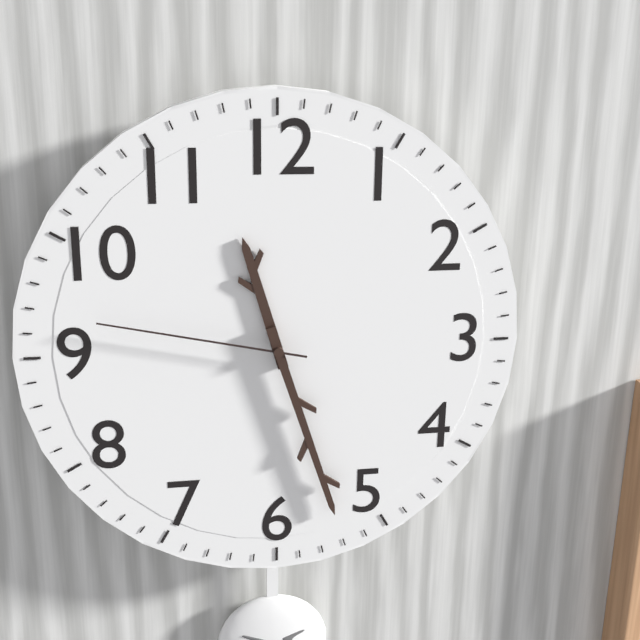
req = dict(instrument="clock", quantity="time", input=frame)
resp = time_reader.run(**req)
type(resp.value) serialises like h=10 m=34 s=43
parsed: h=11 m=27 s=47
